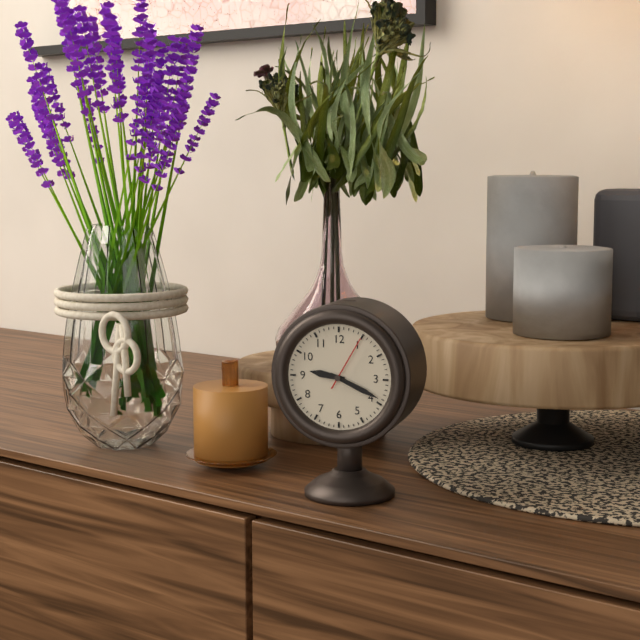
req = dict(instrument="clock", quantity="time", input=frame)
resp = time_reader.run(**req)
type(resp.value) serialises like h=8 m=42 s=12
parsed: h=9 m=19 s=5
